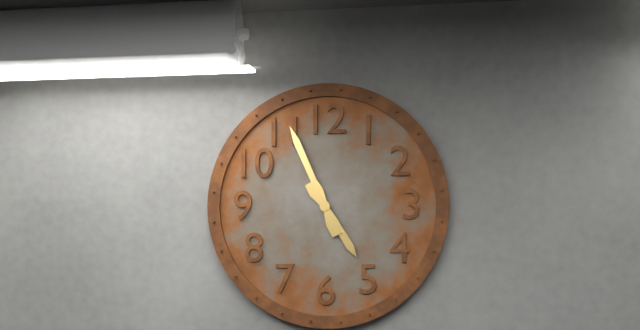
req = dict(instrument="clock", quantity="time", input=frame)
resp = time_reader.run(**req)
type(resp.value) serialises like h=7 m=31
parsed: h=4 m=56
